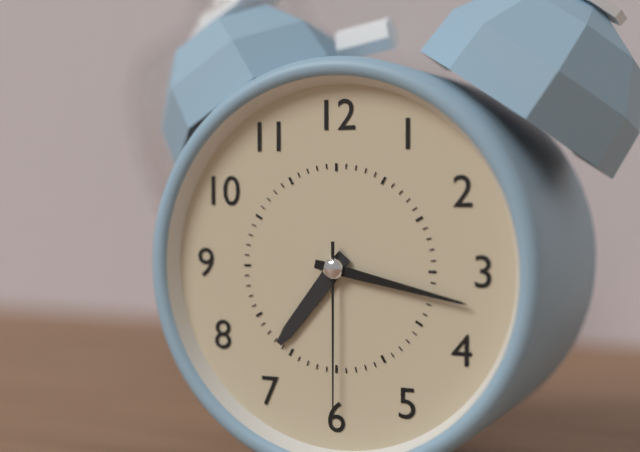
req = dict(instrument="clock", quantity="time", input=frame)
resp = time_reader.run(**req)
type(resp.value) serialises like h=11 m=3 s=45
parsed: h=7 m=17 s=30
